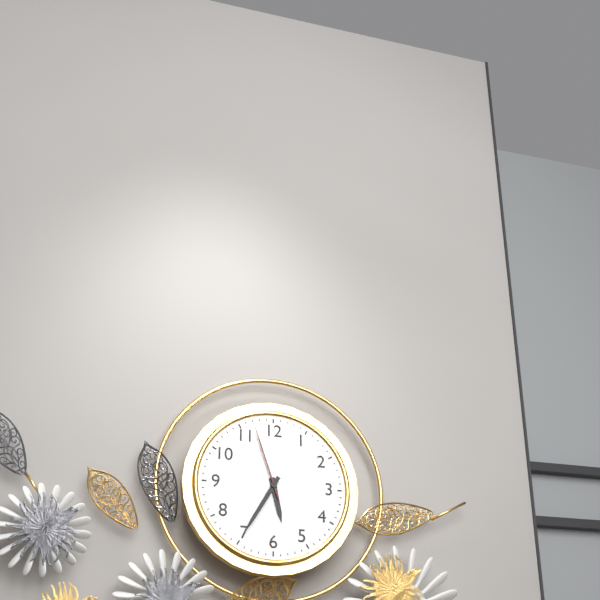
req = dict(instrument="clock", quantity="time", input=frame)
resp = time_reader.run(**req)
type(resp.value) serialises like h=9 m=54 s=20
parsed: h=5 m=35 s=57
